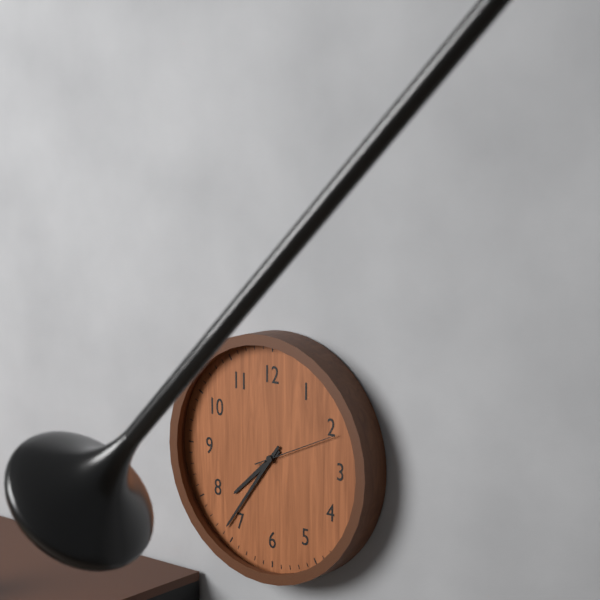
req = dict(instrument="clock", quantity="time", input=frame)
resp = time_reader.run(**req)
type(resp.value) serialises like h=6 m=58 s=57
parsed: h=7 m=36 s=11
